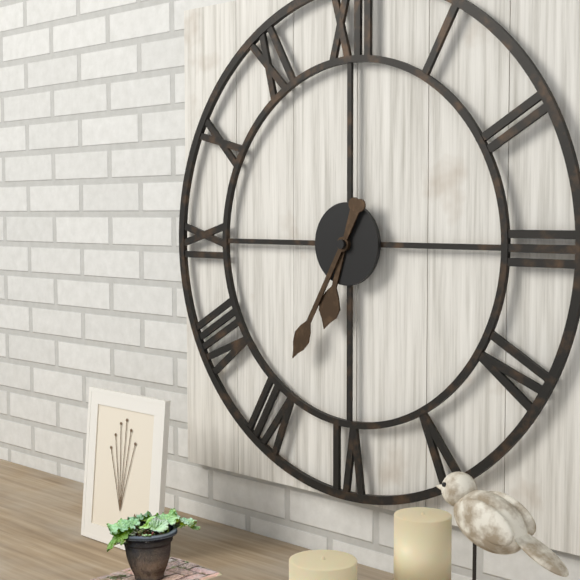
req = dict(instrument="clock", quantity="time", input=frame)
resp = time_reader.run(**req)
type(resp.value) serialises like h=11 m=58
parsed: h=6 m=35
